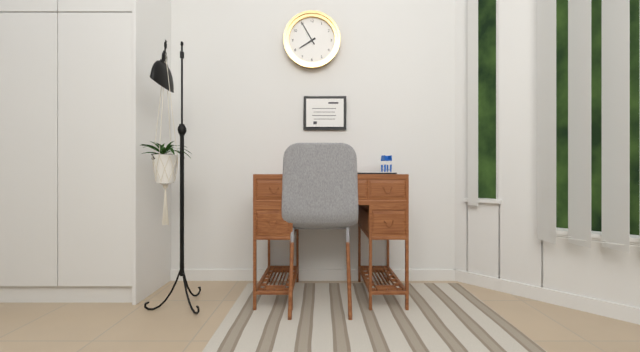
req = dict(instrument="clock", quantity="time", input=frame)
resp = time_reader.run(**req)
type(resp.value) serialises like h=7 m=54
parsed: h=7 m=55
